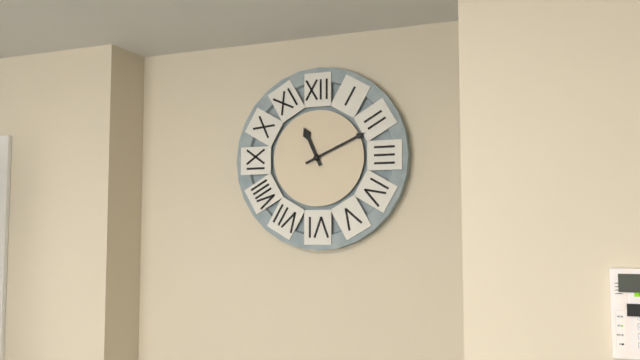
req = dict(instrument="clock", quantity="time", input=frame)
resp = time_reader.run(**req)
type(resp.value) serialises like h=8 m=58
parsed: h=11 m=11
